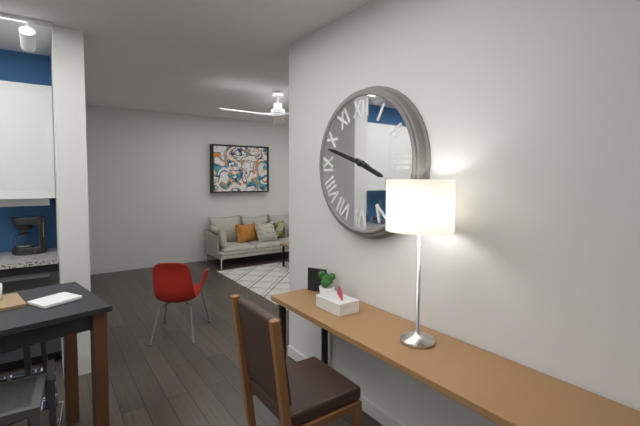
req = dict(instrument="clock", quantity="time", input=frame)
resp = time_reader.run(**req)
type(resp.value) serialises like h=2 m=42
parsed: h=3 m=48
